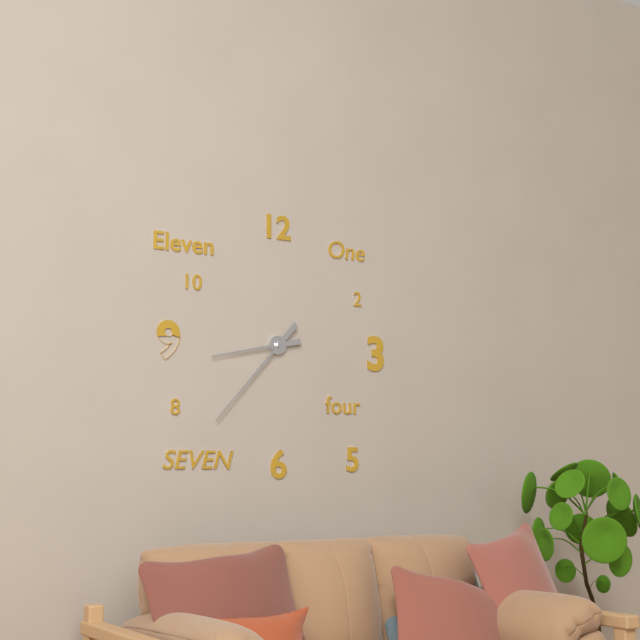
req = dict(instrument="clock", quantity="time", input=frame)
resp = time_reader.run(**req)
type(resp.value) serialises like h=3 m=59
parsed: h=8 m=37
